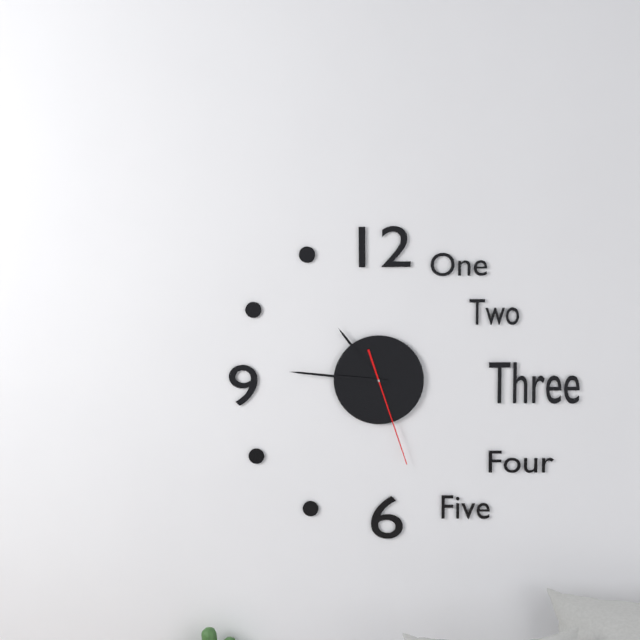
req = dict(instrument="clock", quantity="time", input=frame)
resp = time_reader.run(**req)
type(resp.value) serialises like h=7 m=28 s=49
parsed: h=10 m=46 s=27
